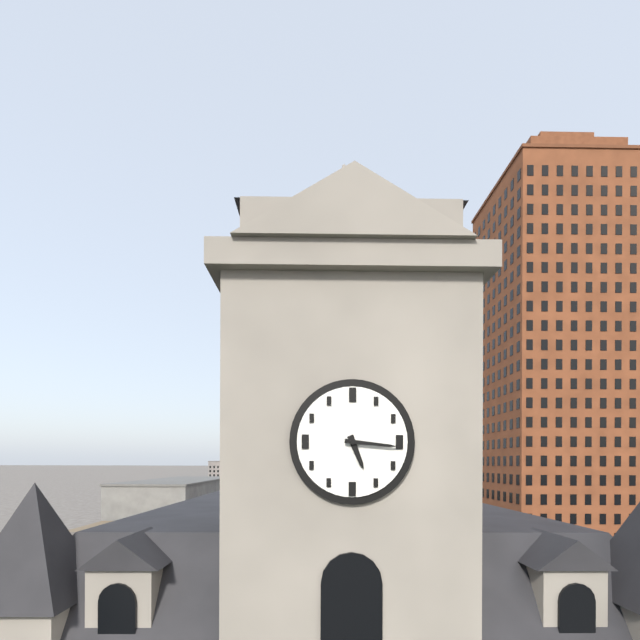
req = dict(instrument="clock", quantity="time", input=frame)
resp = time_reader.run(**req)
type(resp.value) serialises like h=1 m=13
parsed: h=5 m=16
